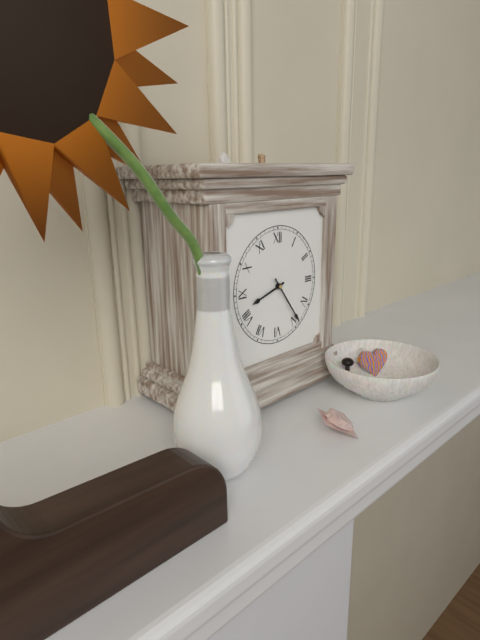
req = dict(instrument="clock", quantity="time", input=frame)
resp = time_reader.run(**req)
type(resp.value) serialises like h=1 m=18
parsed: h=8 m=24
